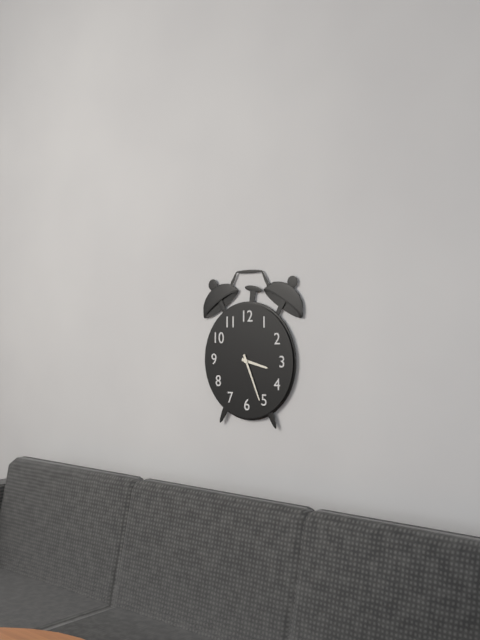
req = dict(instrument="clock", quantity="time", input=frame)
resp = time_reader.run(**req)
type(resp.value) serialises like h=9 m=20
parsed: h=3 m=26
